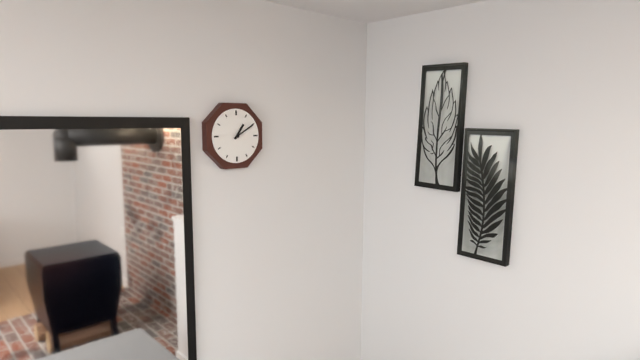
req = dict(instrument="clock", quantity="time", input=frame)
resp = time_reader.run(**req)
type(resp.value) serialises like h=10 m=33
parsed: h=1 m=10
